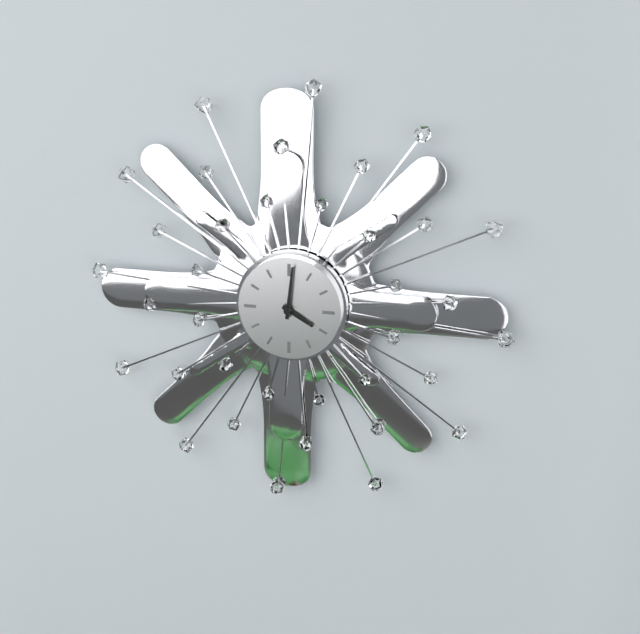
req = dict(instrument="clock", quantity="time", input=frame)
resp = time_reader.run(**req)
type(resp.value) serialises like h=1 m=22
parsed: h=4 m=1
